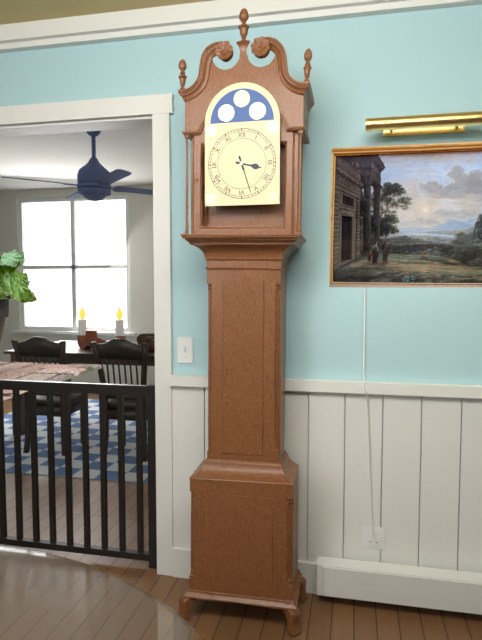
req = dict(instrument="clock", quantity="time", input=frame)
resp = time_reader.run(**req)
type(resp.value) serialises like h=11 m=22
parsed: h=3 m=27
